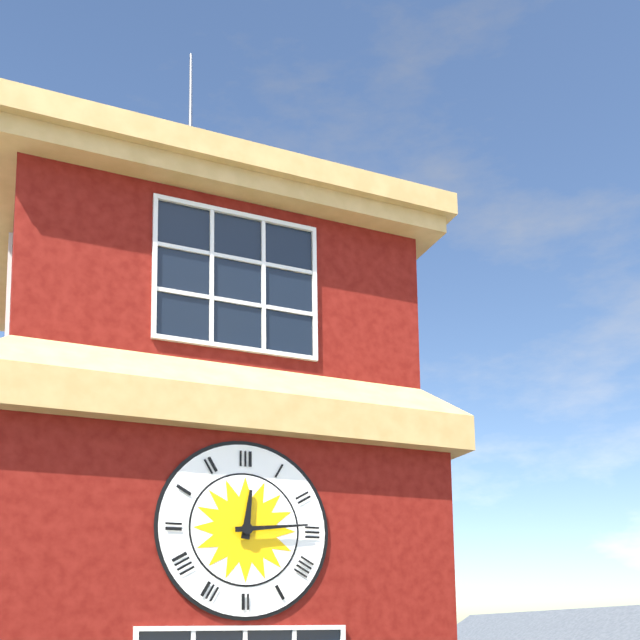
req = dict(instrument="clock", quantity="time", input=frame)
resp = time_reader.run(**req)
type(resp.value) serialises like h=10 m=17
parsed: h=12 m=14
